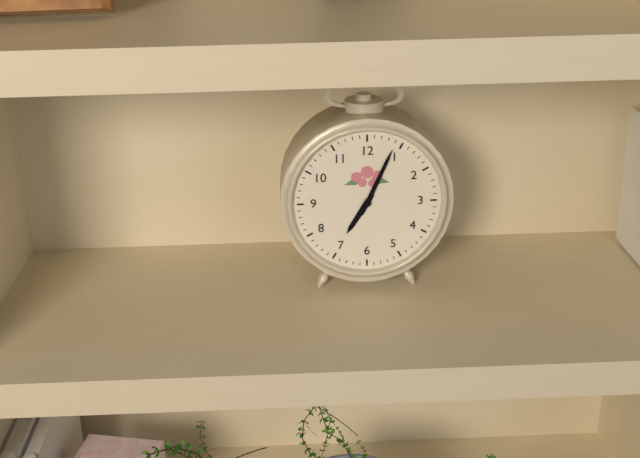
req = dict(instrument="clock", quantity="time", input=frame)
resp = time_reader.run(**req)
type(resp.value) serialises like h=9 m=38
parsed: h=7 m=4
